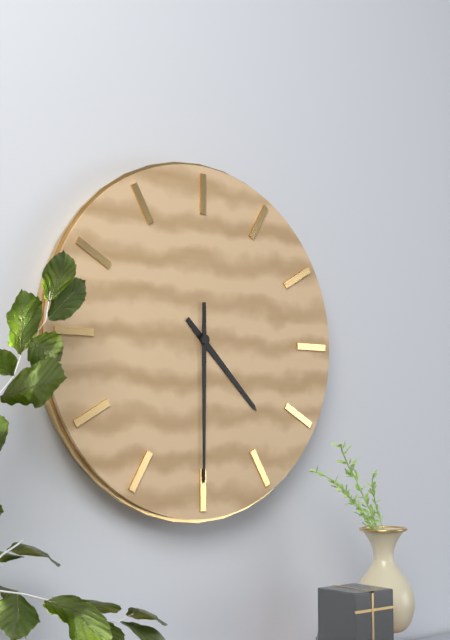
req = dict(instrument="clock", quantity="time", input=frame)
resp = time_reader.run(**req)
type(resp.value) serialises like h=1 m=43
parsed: h=4 m=30
